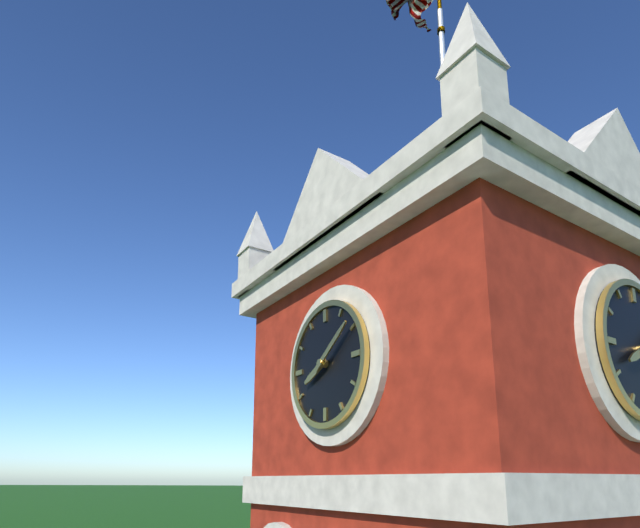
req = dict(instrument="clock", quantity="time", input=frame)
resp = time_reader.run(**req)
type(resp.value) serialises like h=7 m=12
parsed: h=8 m=9
